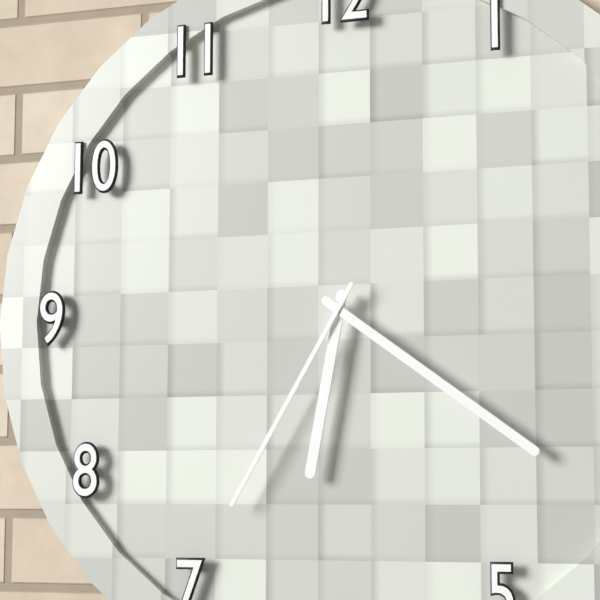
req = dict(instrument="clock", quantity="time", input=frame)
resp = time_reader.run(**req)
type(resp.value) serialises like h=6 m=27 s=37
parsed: h=6 m=21 s=35
